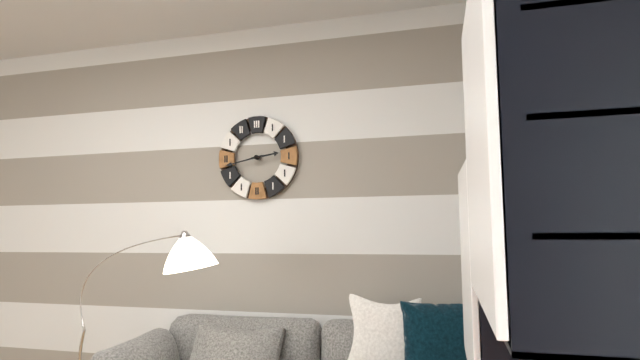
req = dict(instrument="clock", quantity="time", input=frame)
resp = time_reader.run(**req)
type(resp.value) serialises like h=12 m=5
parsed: h=2 m=43
